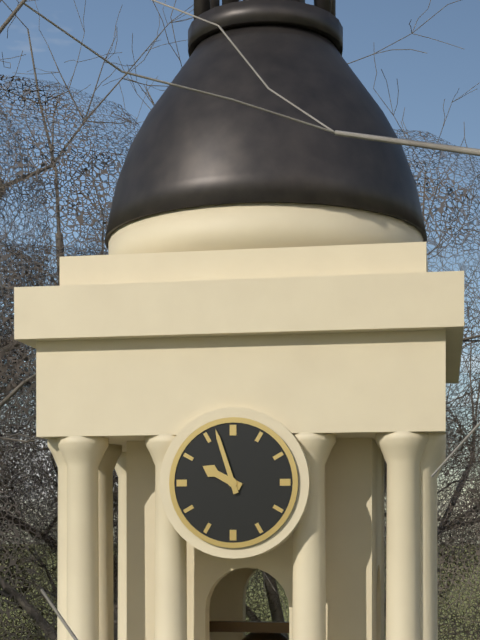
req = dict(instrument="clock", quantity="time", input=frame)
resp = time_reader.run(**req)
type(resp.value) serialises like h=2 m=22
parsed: h=9 m=57
